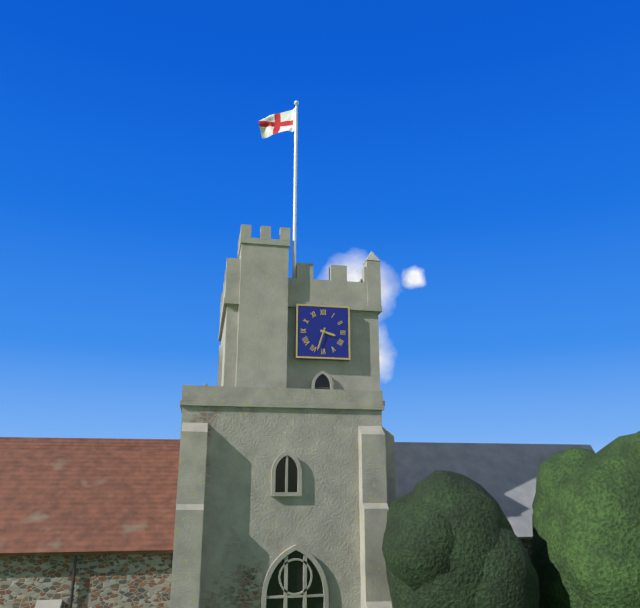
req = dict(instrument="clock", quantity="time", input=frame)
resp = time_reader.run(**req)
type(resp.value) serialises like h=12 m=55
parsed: h=3 m=33
